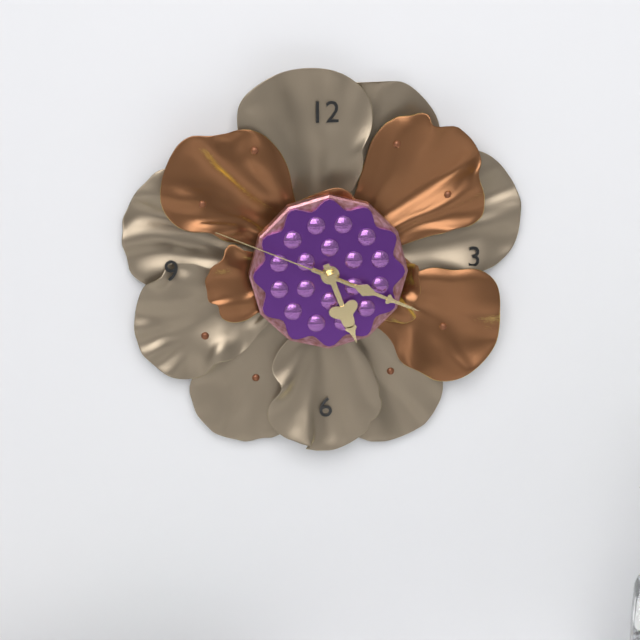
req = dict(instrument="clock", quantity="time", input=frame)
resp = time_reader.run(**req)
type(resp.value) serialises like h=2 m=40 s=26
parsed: h=5 m=19 s=49
